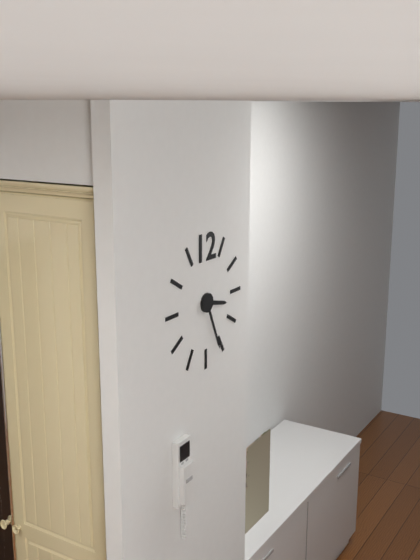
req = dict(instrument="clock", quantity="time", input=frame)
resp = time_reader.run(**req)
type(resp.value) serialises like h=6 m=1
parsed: h=3 m=26
